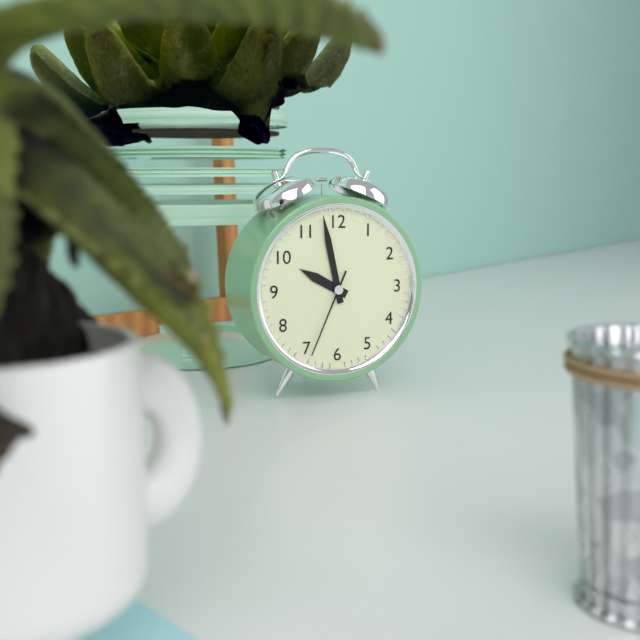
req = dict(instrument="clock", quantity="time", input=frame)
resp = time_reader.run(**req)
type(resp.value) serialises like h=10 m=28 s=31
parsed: h=9 m=58 s=34
